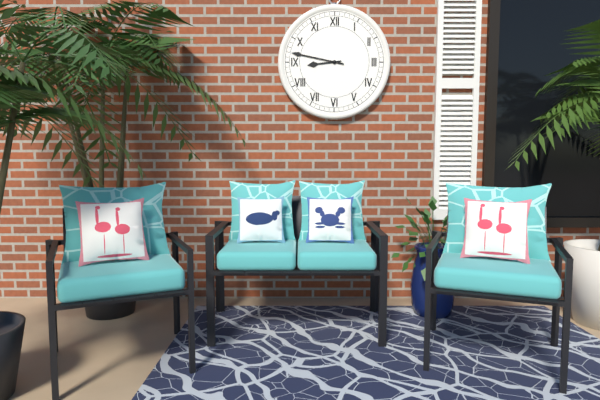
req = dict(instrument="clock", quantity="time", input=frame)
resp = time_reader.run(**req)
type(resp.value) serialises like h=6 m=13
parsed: h=8 m=47
